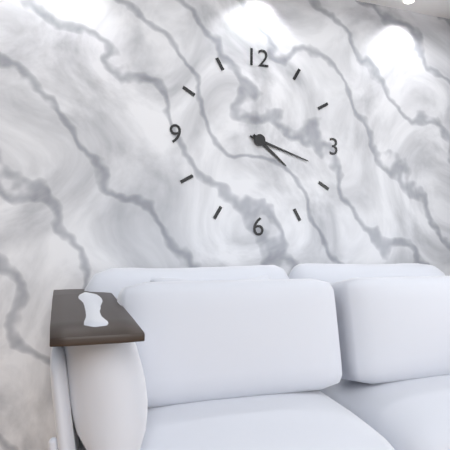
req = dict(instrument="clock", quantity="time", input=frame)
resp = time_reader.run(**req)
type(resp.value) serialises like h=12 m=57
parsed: h=4 m=18
